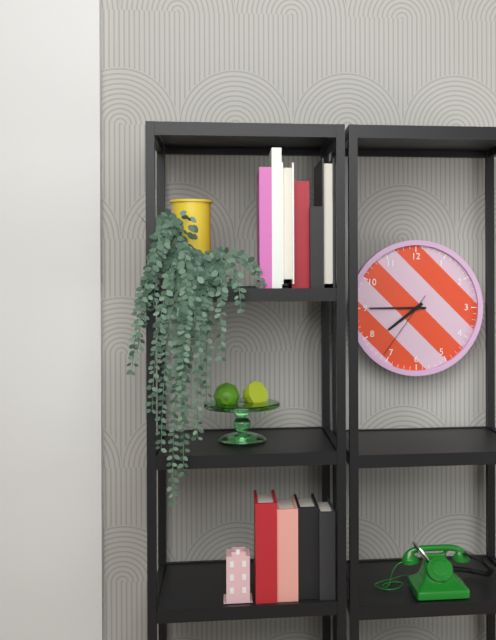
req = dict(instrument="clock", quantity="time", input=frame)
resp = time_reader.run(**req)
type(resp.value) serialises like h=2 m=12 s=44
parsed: h=7 m=45 s=36
